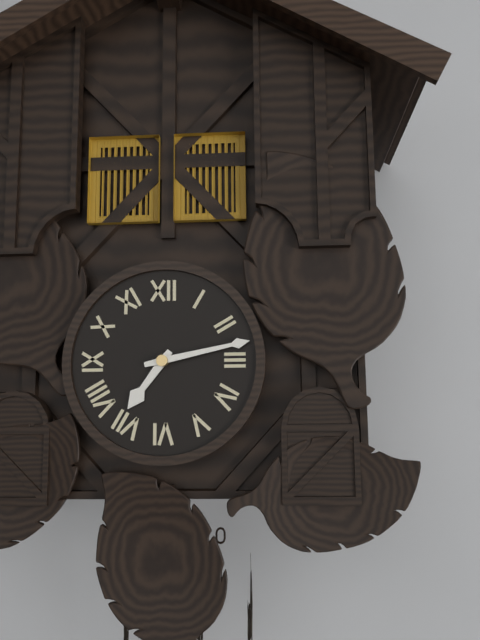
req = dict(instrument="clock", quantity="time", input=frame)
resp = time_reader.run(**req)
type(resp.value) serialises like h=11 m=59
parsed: h=7 m=13
